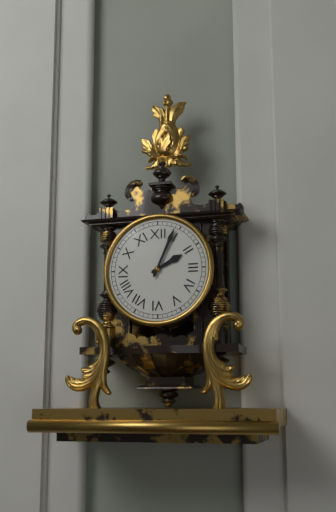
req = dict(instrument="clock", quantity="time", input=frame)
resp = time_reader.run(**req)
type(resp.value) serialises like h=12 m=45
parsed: h=2 m=4
